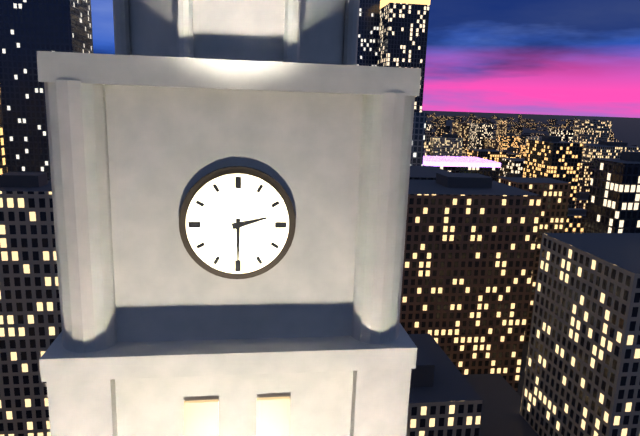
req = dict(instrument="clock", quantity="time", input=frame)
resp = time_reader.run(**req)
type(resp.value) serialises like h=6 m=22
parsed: h=2 m=30
